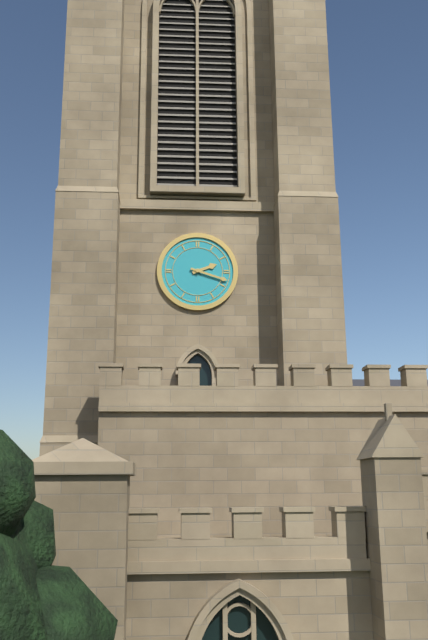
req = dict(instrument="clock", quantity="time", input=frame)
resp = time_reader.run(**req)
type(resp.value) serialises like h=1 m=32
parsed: h=2 m=18
